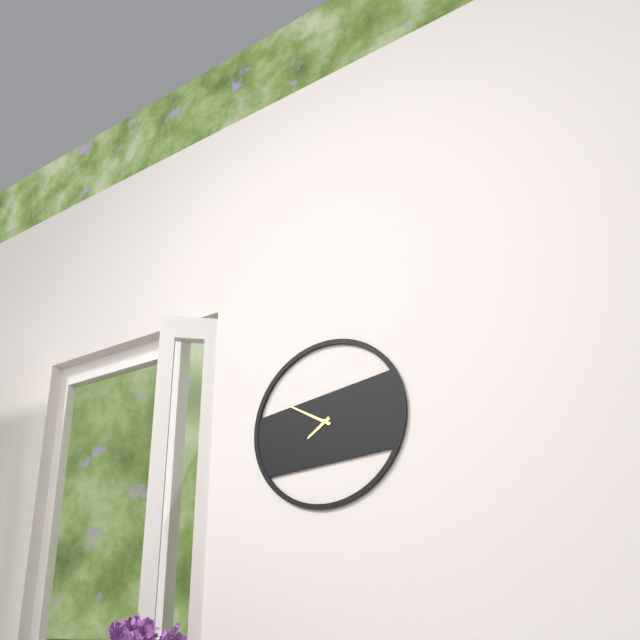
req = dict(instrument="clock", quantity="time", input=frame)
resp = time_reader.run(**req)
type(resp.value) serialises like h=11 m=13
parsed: h=7 m=50
